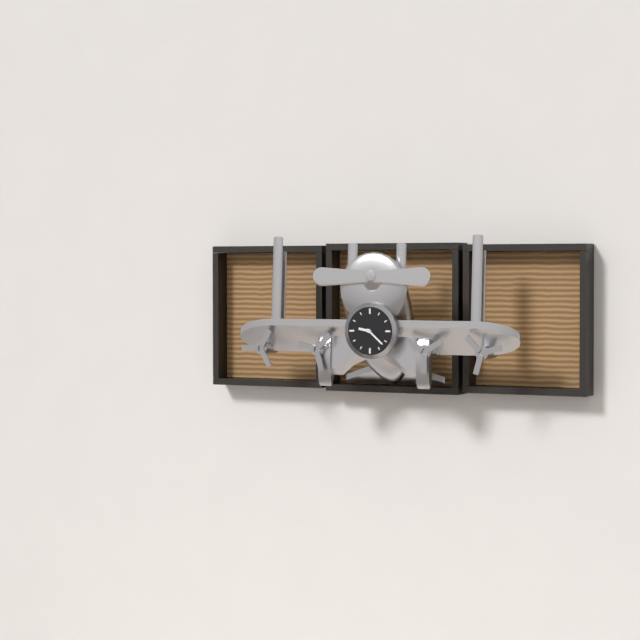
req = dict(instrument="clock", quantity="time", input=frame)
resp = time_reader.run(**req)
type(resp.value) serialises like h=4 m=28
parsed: h=9 m=22
